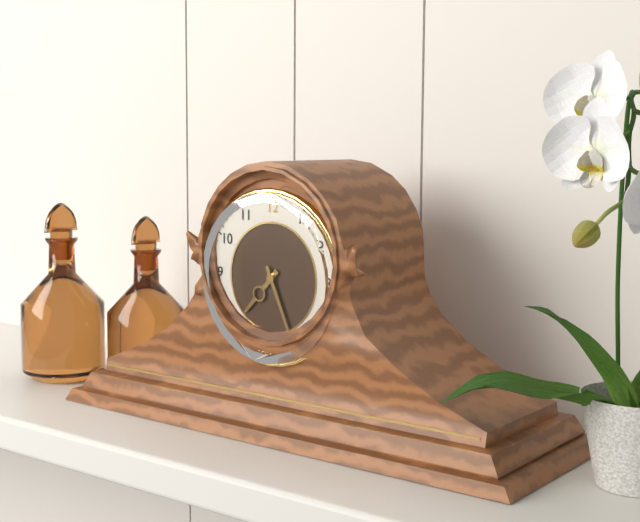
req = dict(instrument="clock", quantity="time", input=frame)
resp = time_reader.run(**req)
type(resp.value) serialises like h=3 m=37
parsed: h=7 m=26
